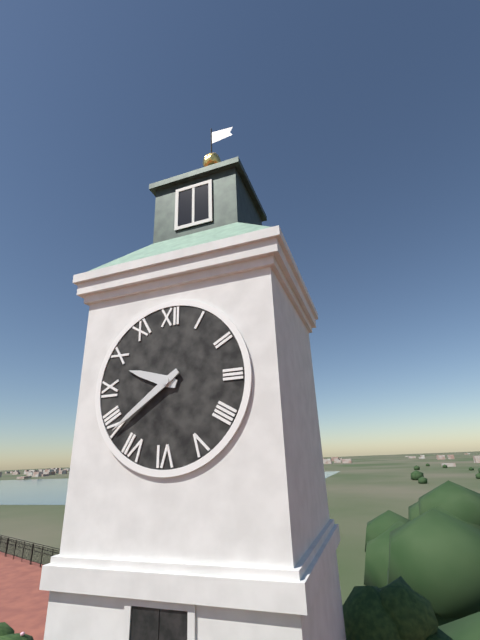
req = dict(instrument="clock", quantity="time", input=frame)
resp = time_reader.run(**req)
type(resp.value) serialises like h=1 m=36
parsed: h=9 m=39
